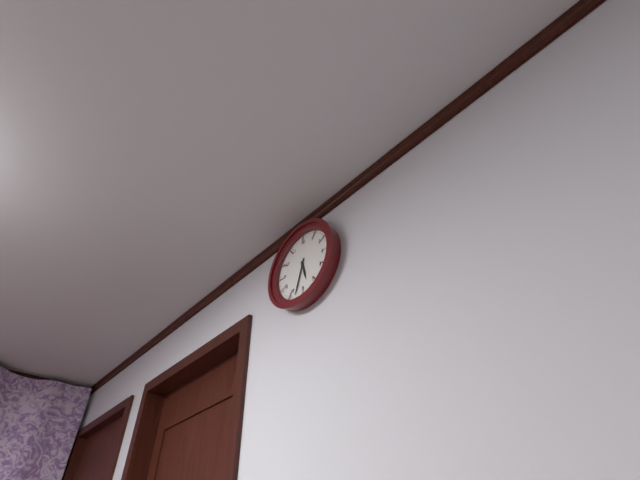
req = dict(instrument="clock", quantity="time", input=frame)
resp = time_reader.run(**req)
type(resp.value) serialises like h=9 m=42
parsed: h=5 m=33
